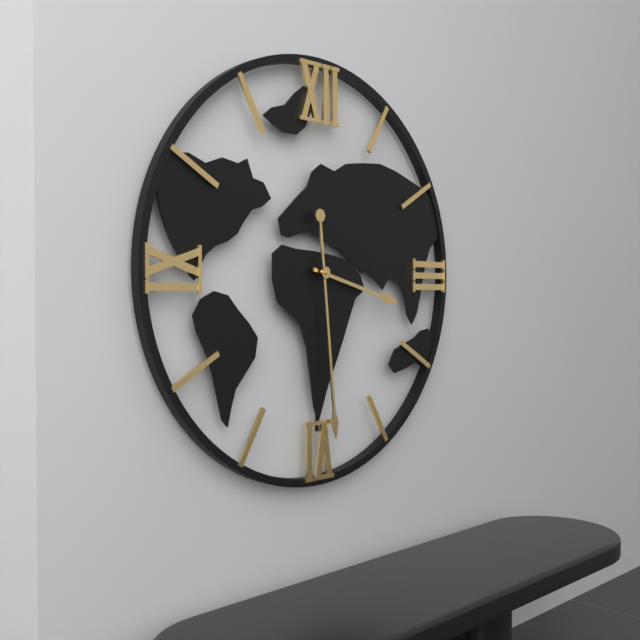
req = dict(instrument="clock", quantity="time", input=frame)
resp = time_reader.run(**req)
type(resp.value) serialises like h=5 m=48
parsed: h=3 m=29
